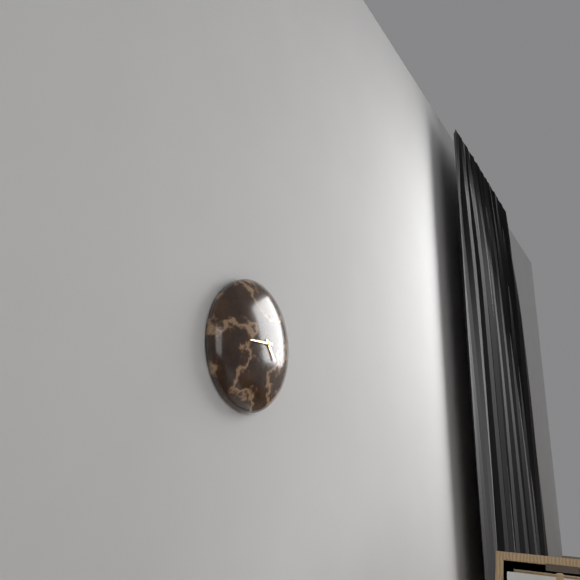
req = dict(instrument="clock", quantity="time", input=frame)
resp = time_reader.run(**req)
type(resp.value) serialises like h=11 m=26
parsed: h=4 m=45
